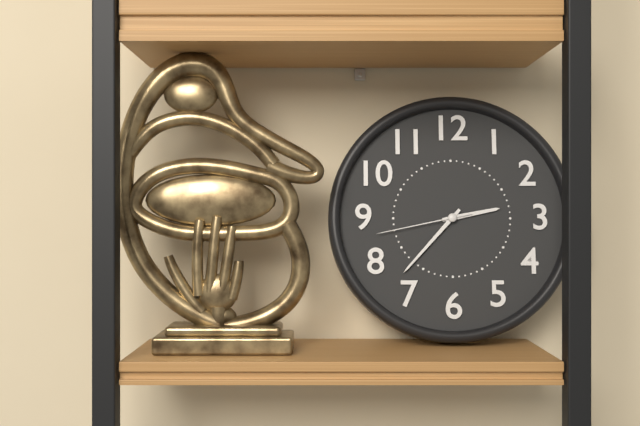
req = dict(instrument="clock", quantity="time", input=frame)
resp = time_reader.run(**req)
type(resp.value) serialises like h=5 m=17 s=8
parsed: h=2 m=37 s=43
